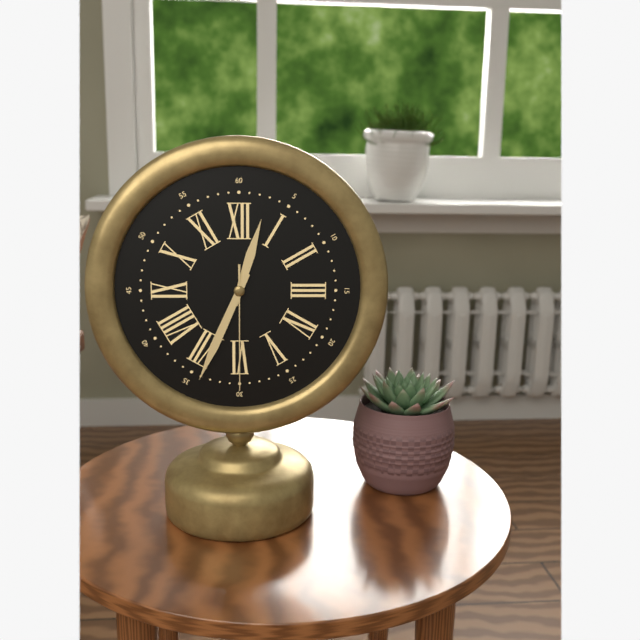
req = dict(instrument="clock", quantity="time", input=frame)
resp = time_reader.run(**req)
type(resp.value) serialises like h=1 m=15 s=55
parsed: h=12 m=34 s=30
